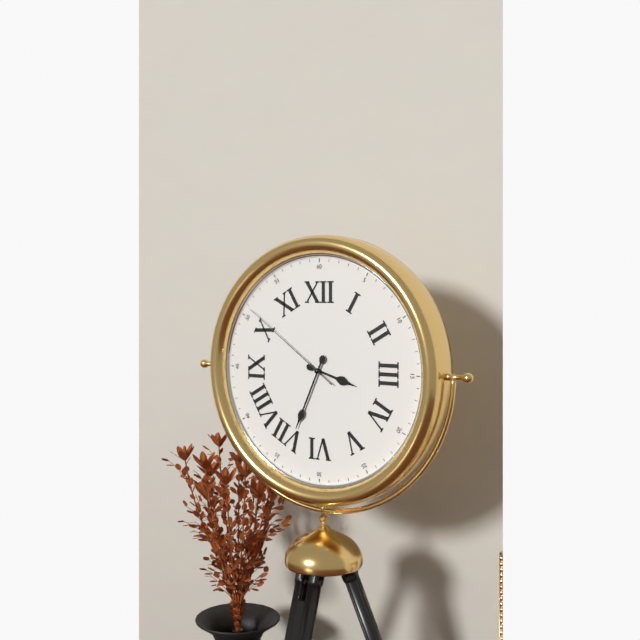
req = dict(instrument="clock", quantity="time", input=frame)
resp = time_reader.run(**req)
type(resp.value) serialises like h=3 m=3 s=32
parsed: h=3 m=34 s=51
